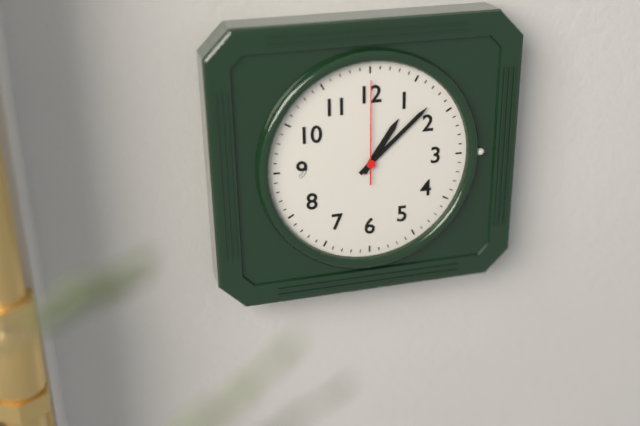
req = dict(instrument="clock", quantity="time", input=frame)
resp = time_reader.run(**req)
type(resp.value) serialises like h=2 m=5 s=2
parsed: h=1 m=8 s=0
